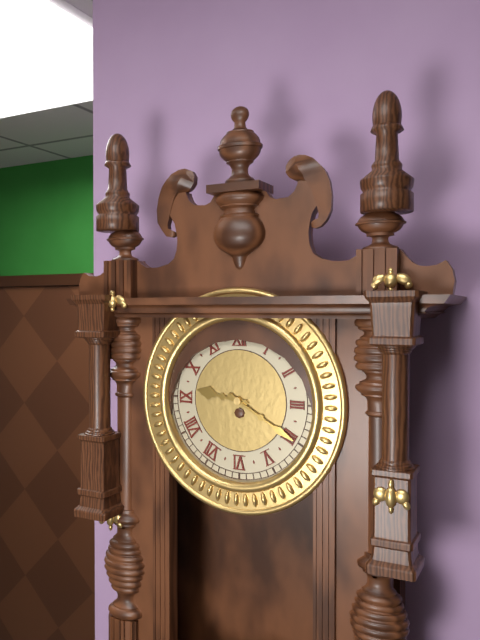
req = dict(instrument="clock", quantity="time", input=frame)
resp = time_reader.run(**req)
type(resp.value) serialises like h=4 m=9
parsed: h=9 m=20
